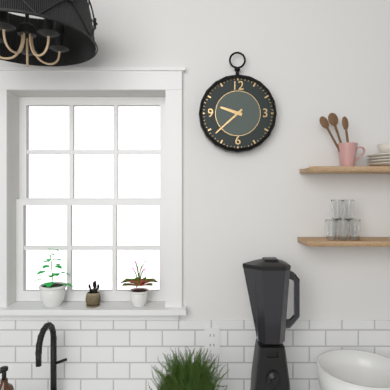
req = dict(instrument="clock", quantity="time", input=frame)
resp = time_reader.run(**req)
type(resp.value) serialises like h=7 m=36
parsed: h=9 m=38
